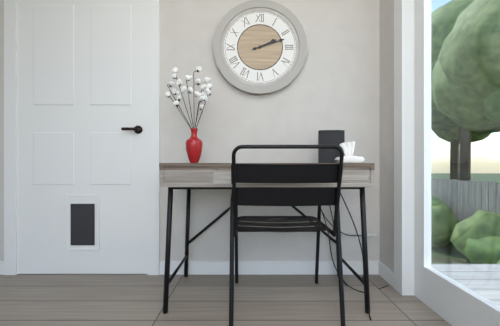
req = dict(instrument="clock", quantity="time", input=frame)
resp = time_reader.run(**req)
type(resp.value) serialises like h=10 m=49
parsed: h=2 m=12
